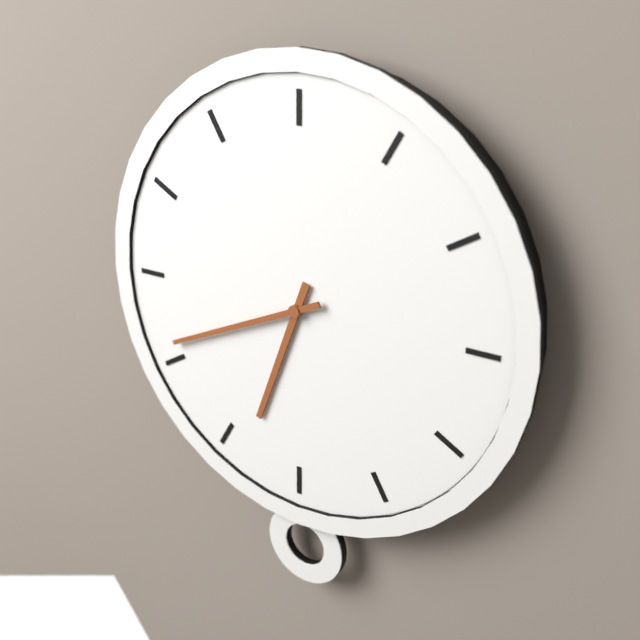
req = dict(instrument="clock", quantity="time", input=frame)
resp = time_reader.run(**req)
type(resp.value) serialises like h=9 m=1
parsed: h=6 m=41
